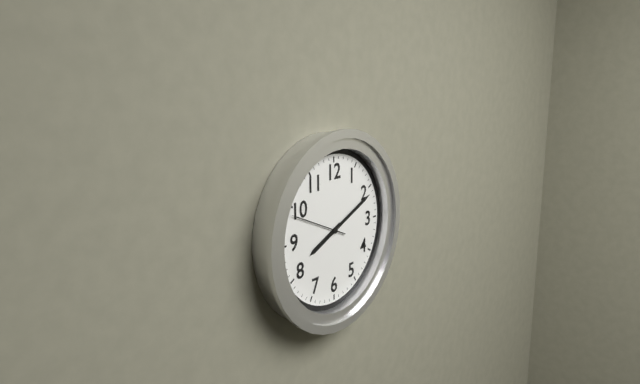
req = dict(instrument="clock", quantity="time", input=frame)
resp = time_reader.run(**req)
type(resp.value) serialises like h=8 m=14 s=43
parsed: h=8 m=11 s=49
